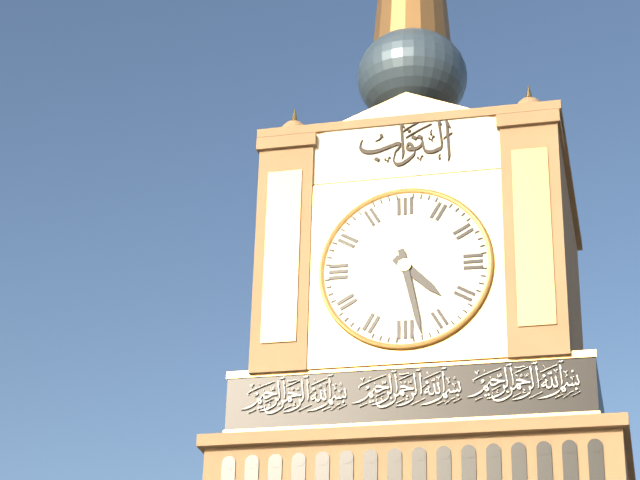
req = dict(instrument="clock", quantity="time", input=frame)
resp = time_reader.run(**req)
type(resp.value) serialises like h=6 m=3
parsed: h=4 m=28
